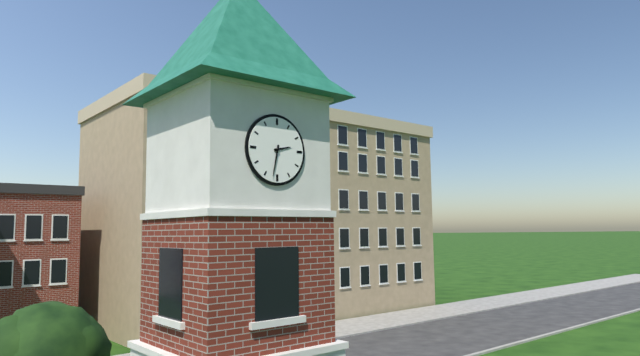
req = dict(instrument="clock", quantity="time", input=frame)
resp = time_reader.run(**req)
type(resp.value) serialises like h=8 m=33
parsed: h=2 m=32
